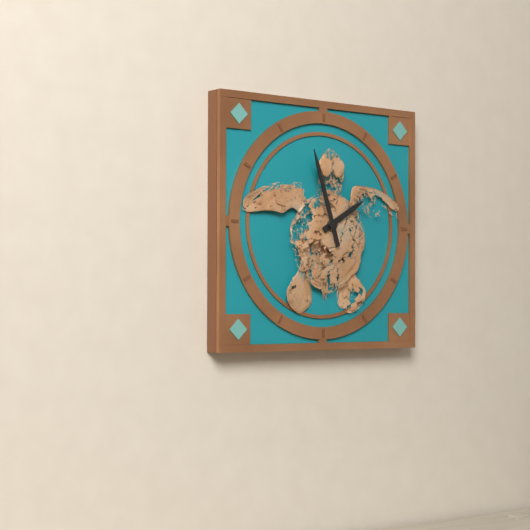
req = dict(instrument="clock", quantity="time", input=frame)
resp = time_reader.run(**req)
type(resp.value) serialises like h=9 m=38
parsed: h=1 m=57
